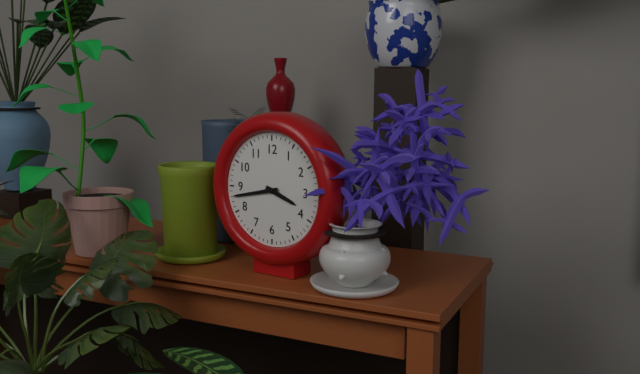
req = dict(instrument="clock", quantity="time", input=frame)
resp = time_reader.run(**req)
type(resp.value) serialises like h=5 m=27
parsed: h=3 m=43
